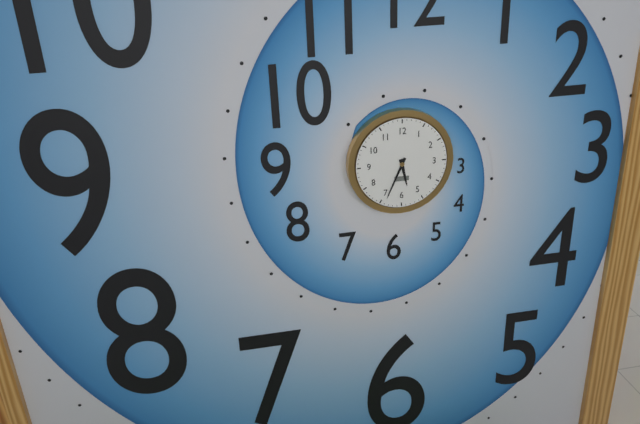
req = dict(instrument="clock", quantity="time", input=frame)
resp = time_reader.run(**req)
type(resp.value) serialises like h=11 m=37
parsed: h=5 m=34
